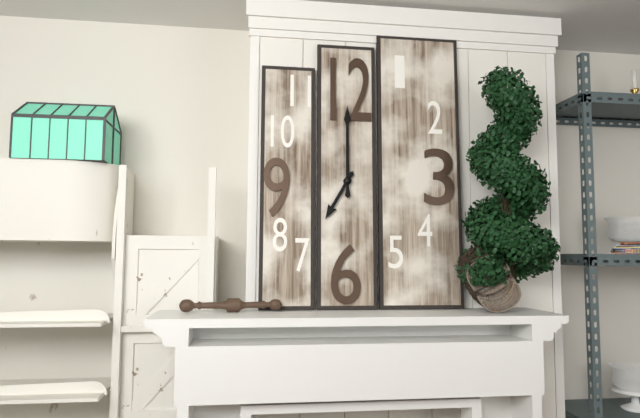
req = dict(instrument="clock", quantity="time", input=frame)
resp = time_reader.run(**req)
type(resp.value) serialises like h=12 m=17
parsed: h=7 m=0
